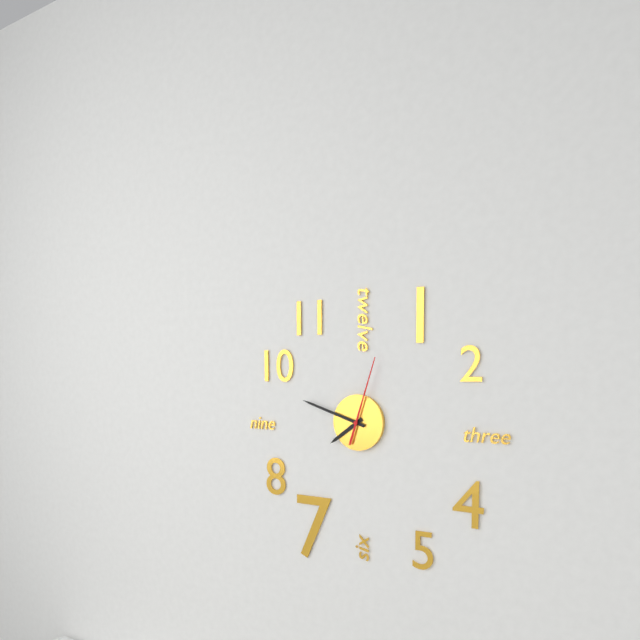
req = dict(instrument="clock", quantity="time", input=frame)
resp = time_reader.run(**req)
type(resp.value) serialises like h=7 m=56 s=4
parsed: h=7 m=48 s=3
